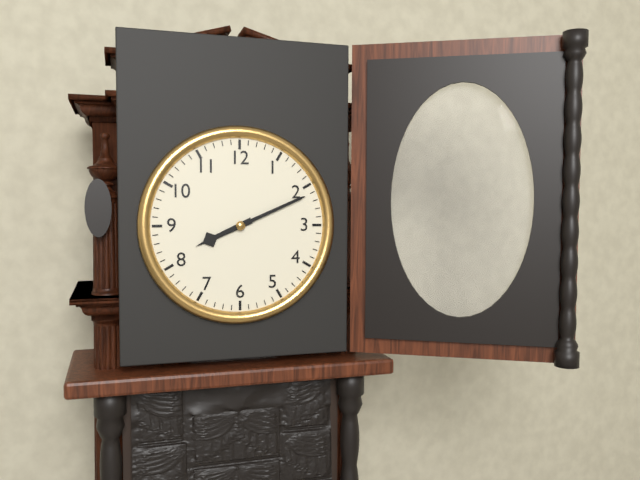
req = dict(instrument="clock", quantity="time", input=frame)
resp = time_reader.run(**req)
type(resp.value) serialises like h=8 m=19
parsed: h=8 m=11
